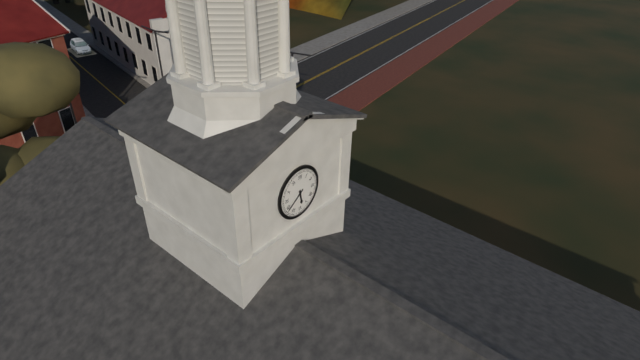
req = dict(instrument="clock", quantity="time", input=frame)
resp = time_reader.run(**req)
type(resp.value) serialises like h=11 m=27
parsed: h=5 m=39
